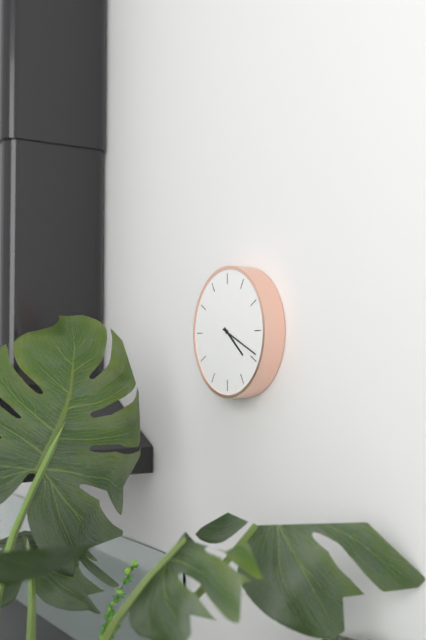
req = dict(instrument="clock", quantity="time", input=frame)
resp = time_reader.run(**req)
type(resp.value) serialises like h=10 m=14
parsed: h=4 m=19
